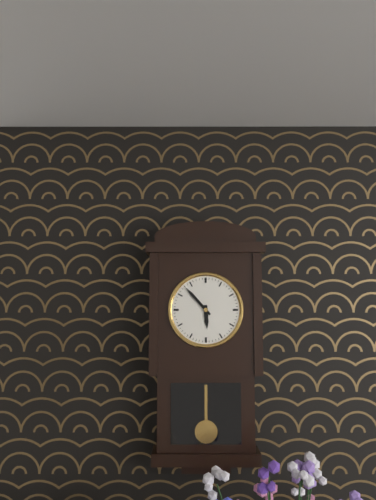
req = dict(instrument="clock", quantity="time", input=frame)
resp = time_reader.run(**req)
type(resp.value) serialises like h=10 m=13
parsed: h=5 m=53
